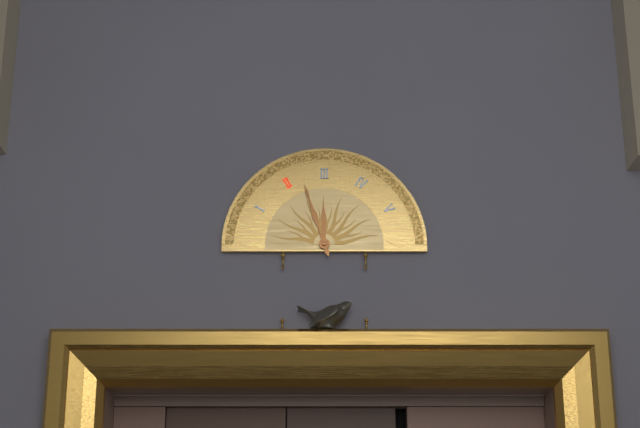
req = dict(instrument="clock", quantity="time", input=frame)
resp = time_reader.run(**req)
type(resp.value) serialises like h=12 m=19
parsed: h=11 m=57
